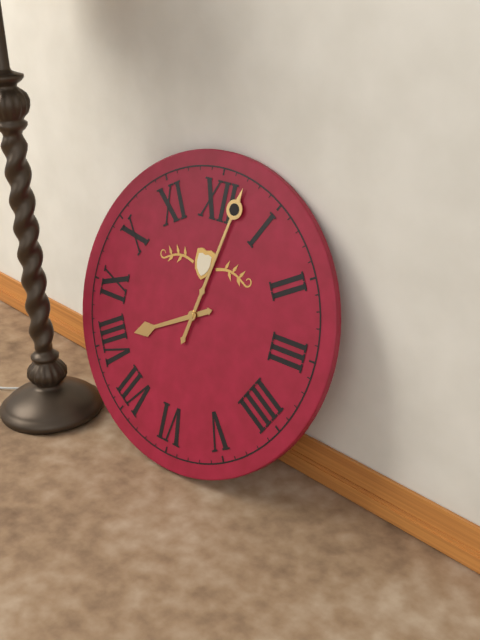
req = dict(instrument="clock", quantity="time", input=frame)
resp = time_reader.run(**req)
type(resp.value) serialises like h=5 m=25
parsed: h=8 m=2
